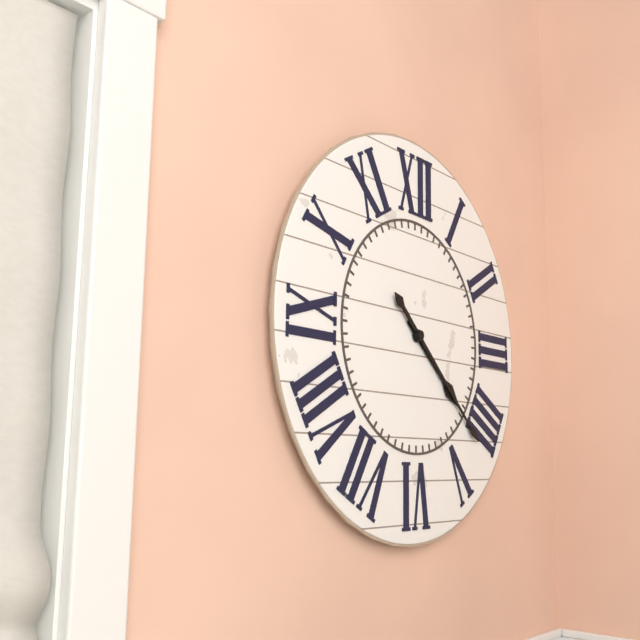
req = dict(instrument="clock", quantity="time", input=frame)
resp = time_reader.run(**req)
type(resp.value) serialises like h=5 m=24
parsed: h=4 m=22
